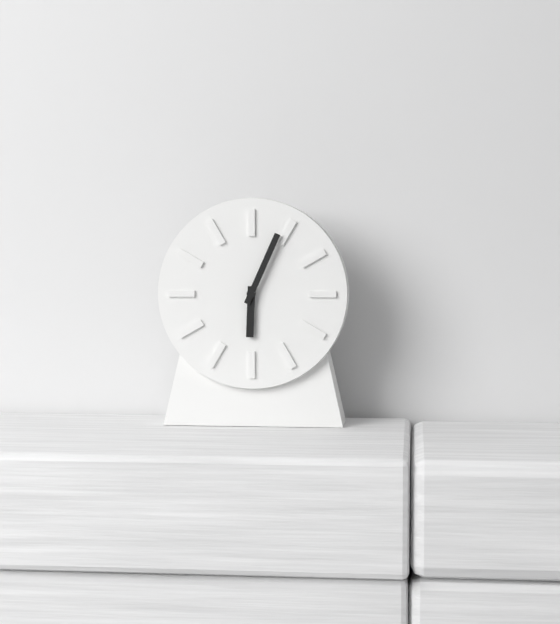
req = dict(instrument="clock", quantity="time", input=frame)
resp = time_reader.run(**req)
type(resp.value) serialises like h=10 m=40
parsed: h=6 m=4
